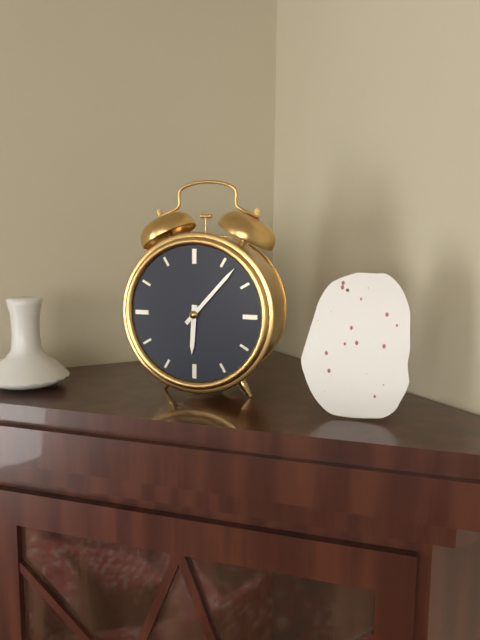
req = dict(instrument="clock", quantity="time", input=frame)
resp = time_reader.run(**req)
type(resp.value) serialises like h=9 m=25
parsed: h=6 m=7
